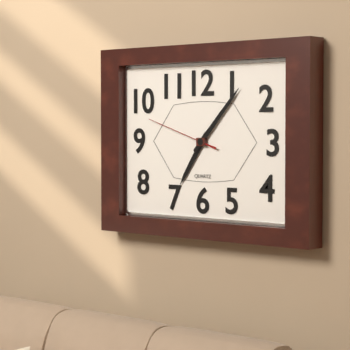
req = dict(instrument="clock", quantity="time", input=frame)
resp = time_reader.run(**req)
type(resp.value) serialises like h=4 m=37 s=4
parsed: h=7 m=7 s=48
